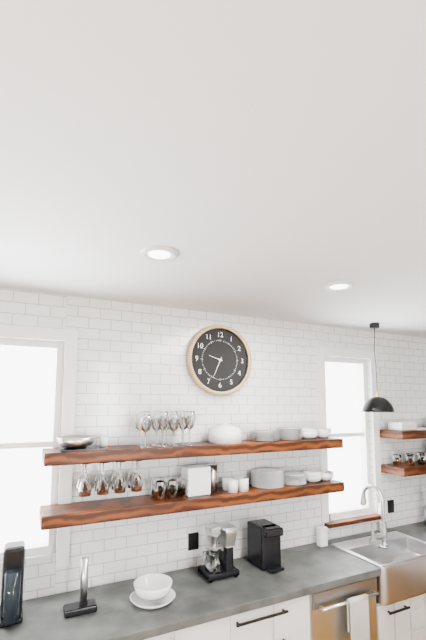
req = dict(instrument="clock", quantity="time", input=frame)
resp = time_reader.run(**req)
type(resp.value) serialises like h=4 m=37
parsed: h=9 m=34
